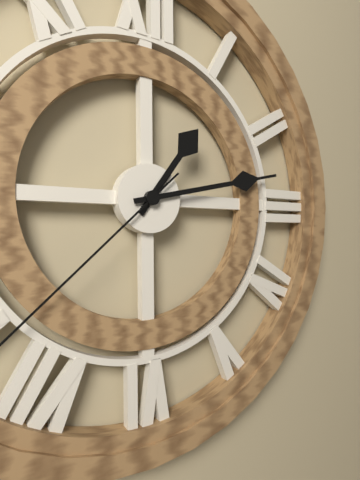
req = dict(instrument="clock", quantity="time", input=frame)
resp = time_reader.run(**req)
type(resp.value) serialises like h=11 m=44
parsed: h=1 m=13
